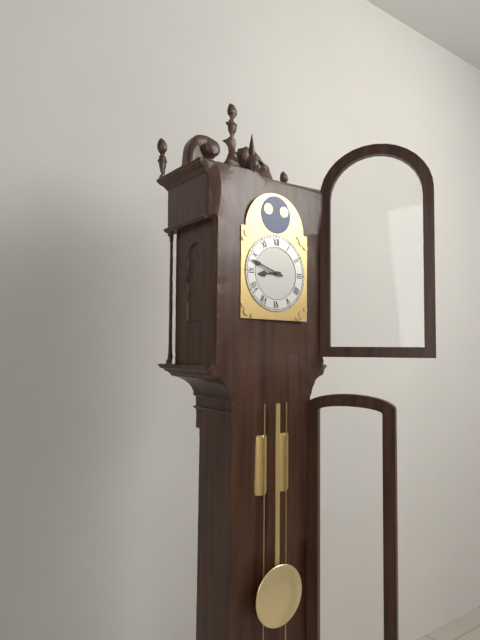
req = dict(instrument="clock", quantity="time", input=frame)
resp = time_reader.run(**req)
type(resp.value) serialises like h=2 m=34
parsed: h=8 m=48
